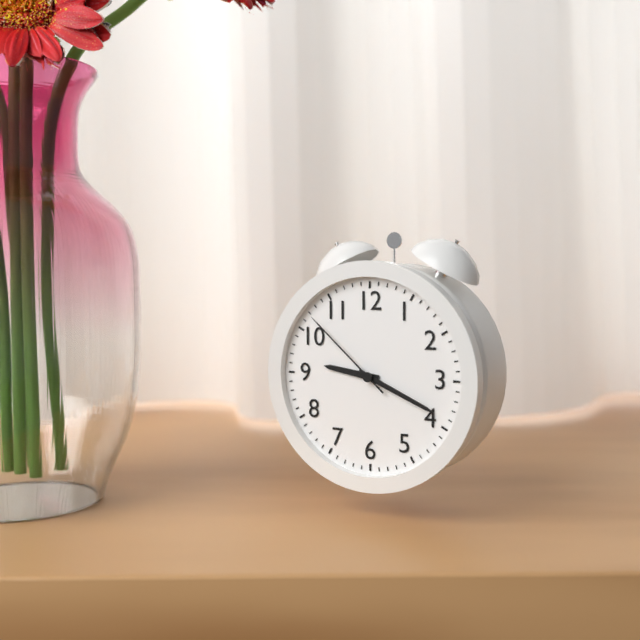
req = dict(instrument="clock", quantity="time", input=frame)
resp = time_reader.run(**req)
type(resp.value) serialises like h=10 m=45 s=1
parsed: h=9 m=19 s=52
